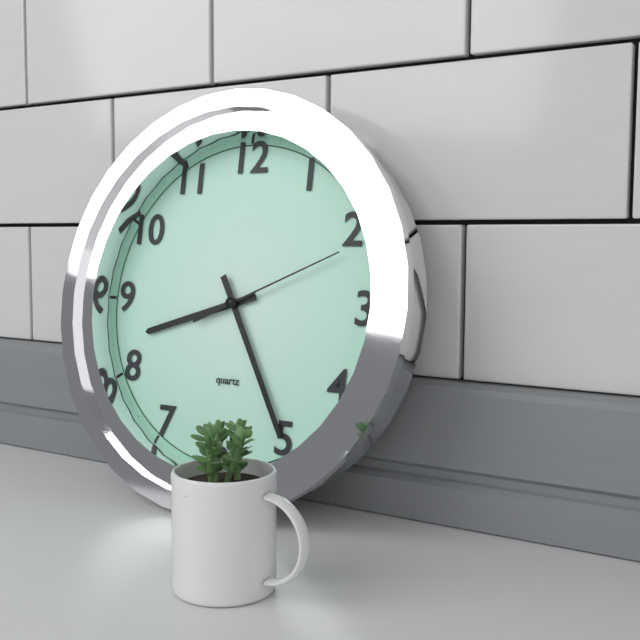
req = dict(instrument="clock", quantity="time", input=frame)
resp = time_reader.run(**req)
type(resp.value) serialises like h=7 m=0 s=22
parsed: h=8 m=25 s=11
